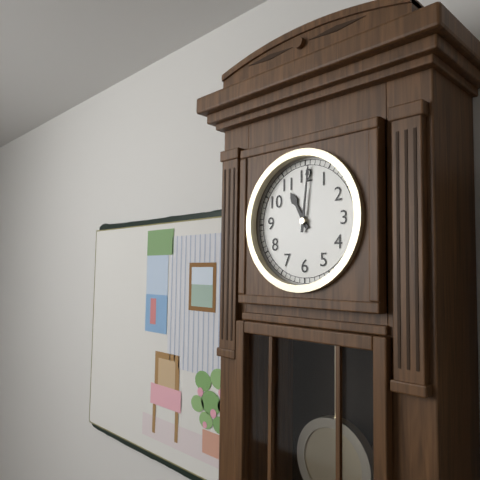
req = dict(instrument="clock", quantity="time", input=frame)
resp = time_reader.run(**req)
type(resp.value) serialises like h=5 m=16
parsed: h=11 m=1
